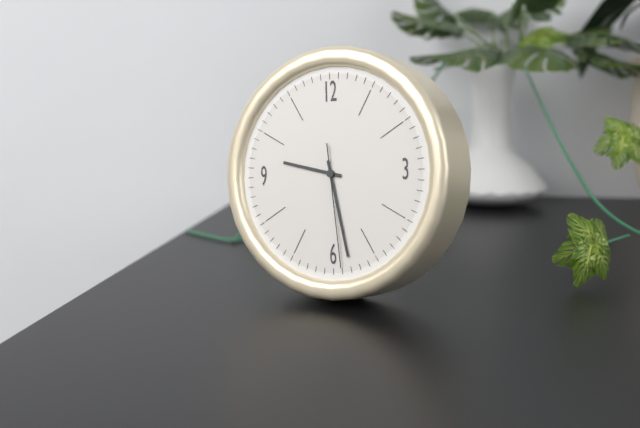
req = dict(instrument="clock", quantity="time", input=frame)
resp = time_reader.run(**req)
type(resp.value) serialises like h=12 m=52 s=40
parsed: h=9 m=28 s=29
